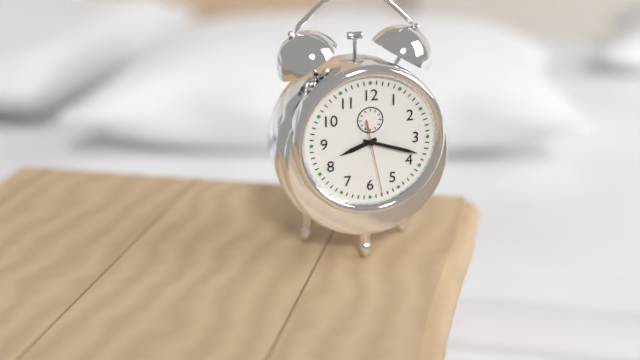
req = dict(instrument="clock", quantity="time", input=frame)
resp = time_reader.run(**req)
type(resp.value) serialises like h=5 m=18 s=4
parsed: h=8 m=18 s=28
